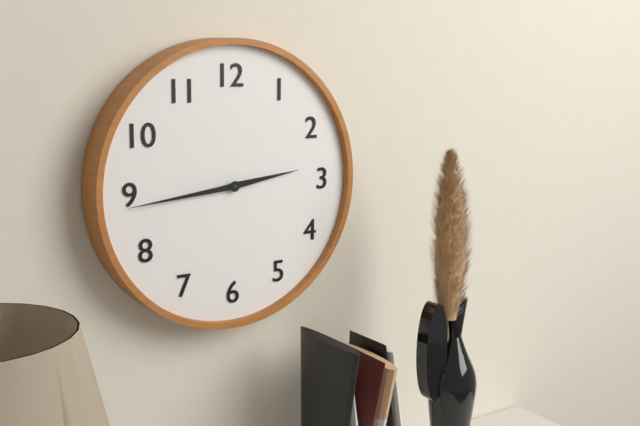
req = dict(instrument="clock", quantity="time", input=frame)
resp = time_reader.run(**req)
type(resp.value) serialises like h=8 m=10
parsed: h=2 m=44
